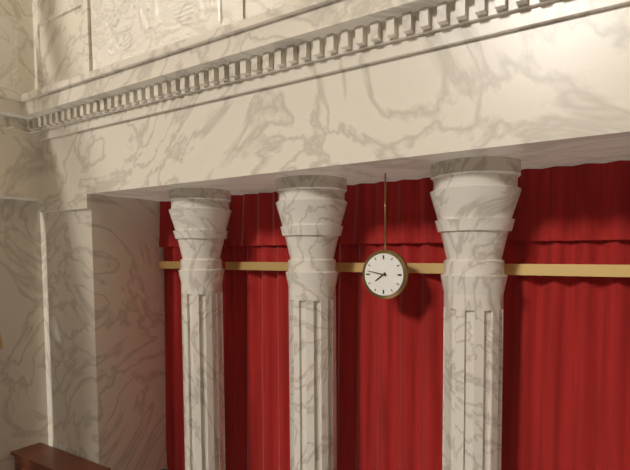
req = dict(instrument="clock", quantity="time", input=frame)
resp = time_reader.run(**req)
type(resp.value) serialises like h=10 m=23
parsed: h=7 m=47
